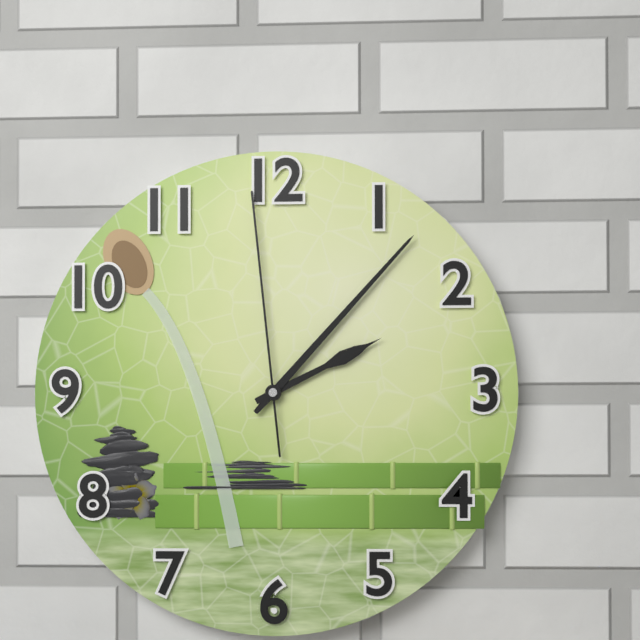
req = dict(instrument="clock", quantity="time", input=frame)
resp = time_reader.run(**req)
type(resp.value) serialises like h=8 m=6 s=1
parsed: h=2 m=7 s=59
